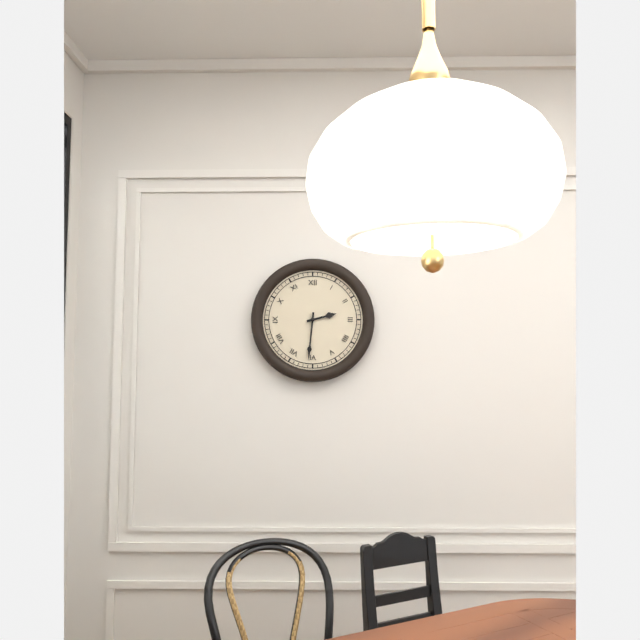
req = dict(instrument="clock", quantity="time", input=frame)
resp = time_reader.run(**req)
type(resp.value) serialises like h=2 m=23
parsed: h=2 m=31
